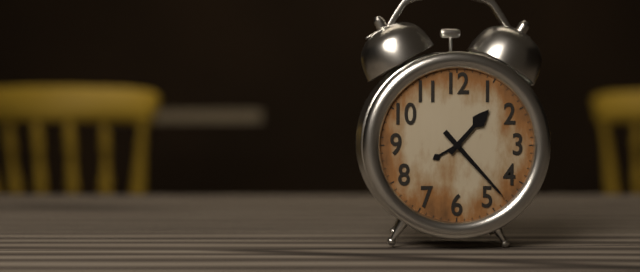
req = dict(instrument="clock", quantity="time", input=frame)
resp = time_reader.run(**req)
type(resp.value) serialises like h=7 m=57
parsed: h=1 m=23
